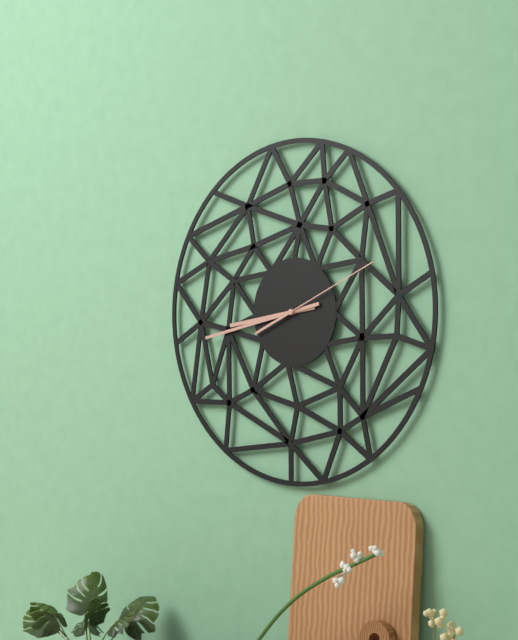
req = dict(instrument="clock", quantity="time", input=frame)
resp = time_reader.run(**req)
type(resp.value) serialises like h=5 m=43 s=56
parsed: h=8 m=43 s=11
